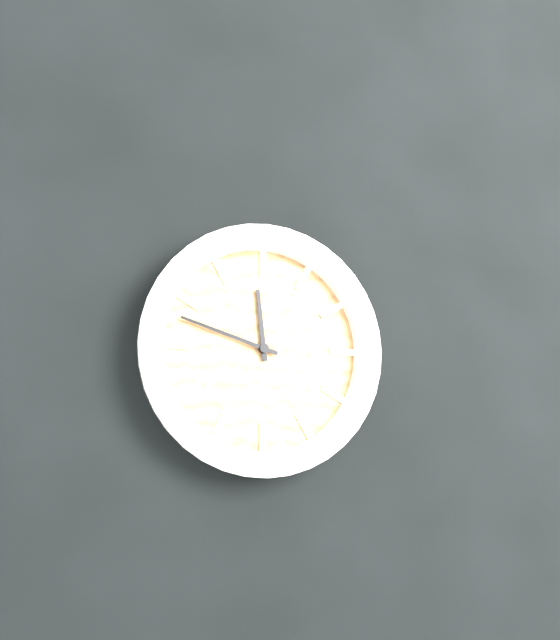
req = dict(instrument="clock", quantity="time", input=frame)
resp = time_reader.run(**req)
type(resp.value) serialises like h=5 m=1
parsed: h=11 m=48
